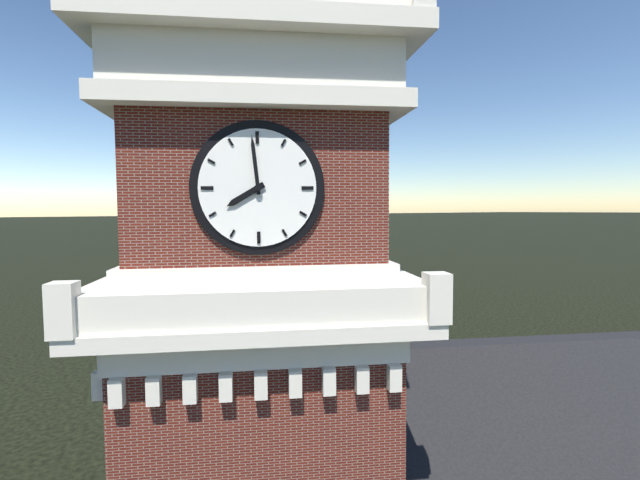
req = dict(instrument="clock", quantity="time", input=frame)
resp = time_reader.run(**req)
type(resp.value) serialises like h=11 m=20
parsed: h=7 m=59
